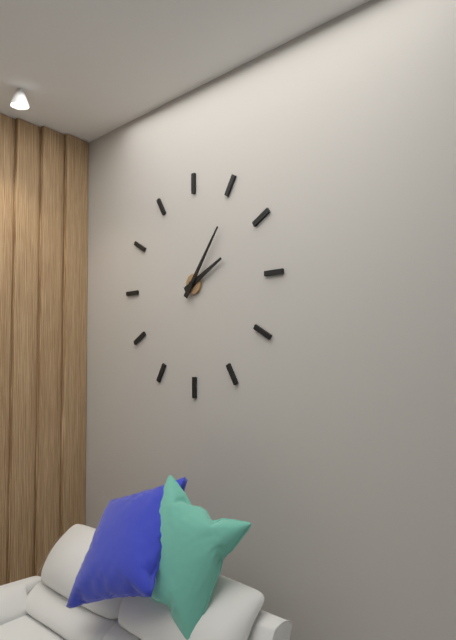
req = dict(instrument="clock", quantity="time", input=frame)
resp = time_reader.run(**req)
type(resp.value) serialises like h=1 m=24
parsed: h=2 m=6
